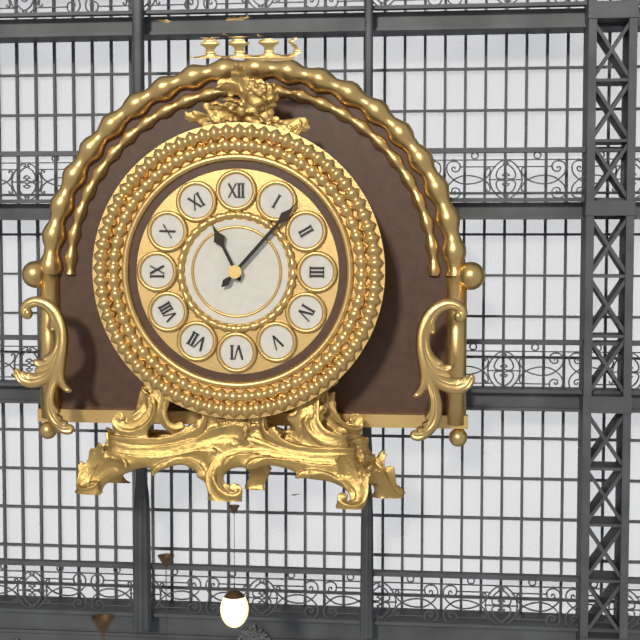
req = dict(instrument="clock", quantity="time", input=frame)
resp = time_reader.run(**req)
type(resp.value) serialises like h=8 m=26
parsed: h=11 m=7
